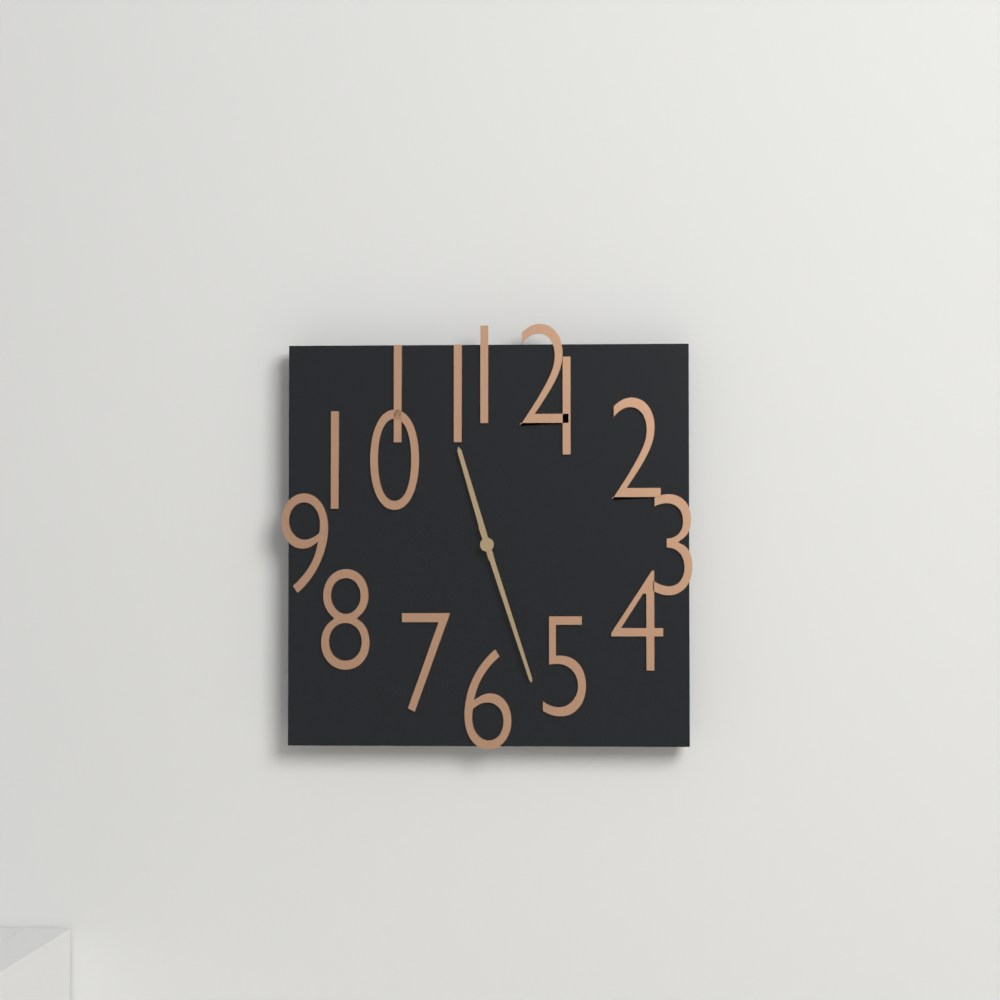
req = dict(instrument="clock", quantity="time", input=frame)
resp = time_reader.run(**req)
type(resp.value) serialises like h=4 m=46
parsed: h=11 m=27
